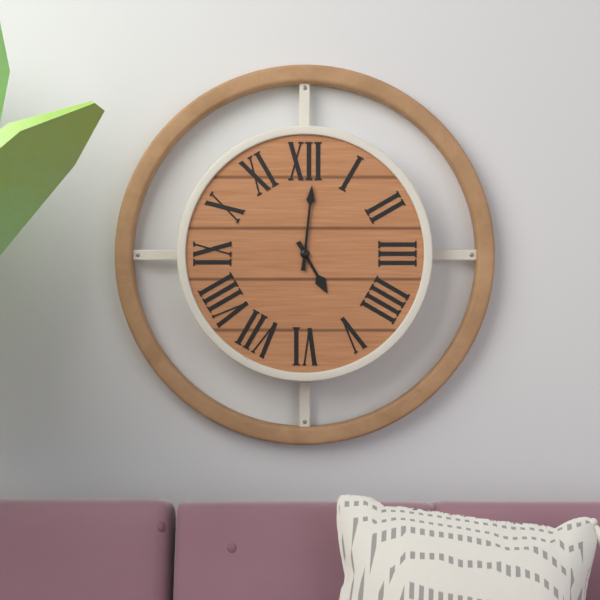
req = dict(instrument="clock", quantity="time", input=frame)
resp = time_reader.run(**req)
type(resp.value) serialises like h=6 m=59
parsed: h=5 m=1
